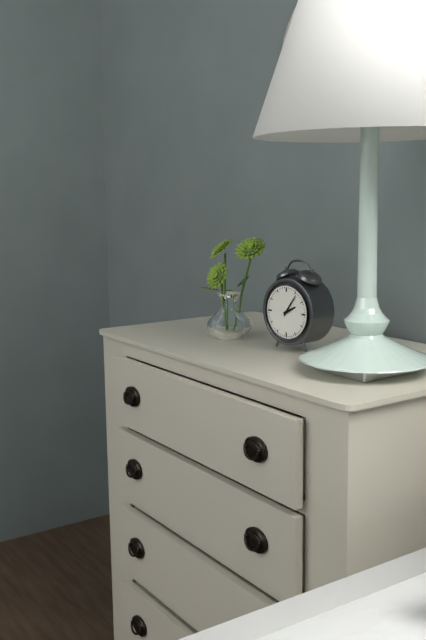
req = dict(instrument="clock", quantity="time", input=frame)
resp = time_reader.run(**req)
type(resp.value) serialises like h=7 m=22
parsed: h=2 m=6
